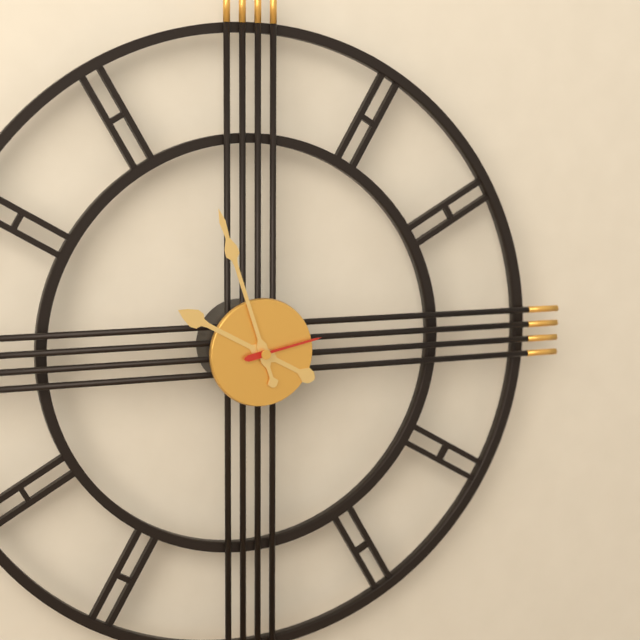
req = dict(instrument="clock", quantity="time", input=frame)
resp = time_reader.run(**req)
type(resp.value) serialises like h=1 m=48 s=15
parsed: h=9 m=57 s=13
